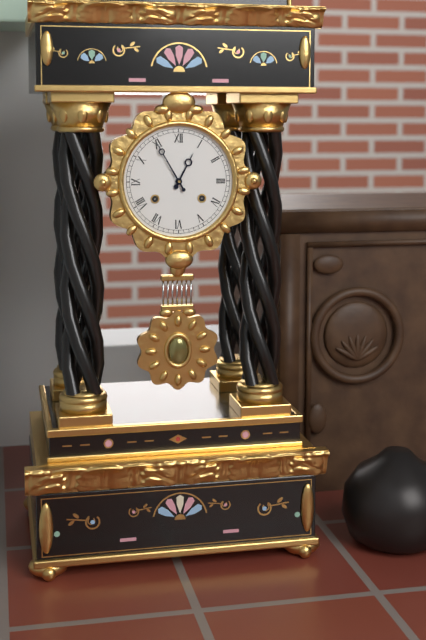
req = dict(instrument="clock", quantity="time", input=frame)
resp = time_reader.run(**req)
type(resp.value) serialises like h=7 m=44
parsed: h=12 m=55
